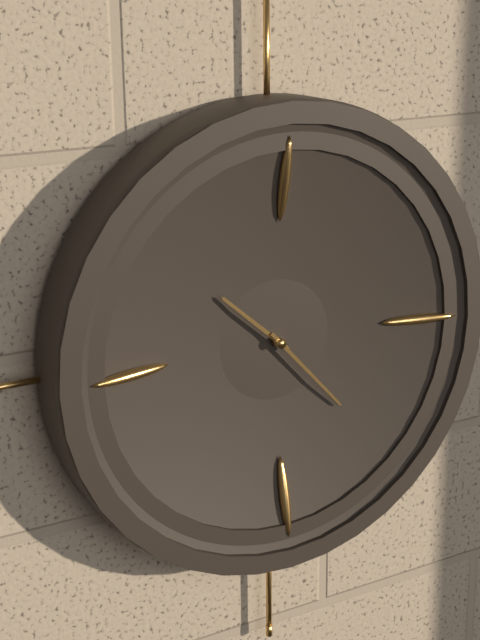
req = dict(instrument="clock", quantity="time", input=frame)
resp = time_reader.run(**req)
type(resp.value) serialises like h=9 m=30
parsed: h=10 m=23
